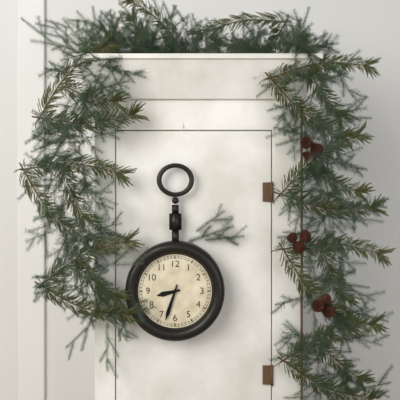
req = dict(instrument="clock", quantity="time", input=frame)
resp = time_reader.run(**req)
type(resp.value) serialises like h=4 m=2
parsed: h=8 m=33
